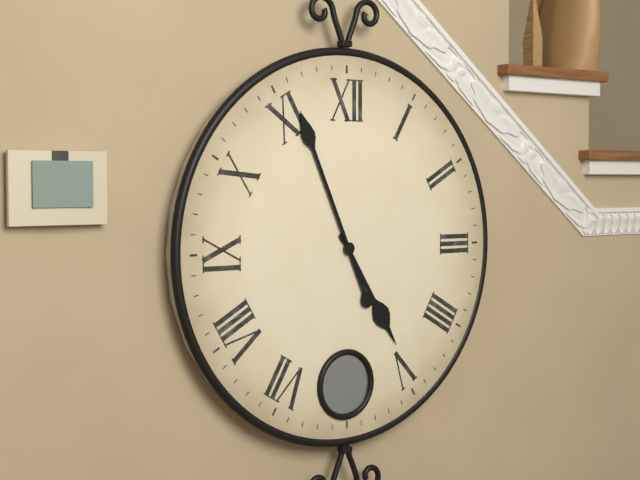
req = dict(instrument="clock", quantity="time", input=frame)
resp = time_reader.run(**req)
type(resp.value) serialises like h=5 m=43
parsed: h=4 m=56
